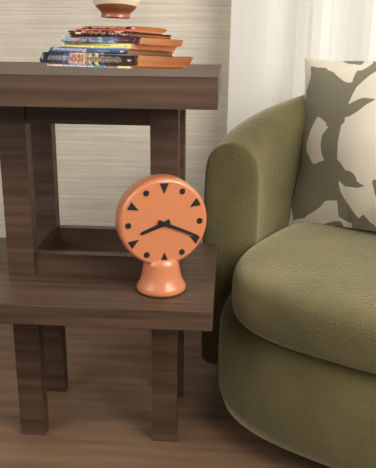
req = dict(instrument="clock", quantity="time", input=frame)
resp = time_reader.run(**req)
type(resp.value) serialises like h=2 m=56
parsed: h=8 m=19
